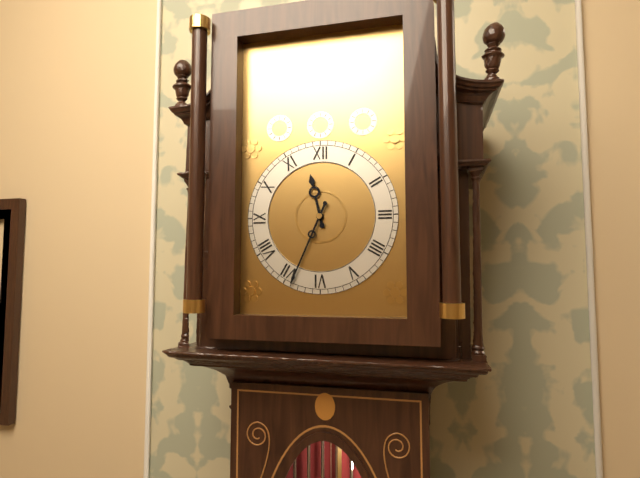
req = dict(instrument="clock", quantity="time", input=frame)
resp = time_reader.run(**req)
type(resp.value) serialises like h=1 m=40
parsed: h=11 m=34
